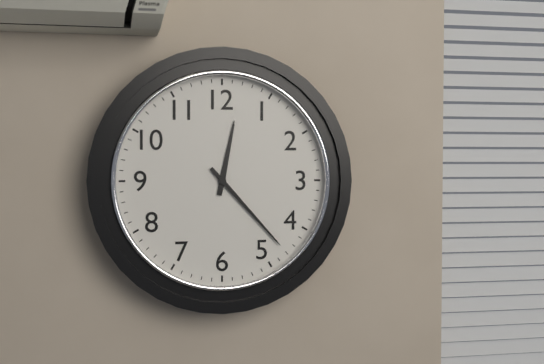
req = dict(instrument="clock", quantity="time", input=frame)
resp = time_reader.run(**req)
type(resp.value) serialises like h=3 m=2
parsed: h=12 m=23
